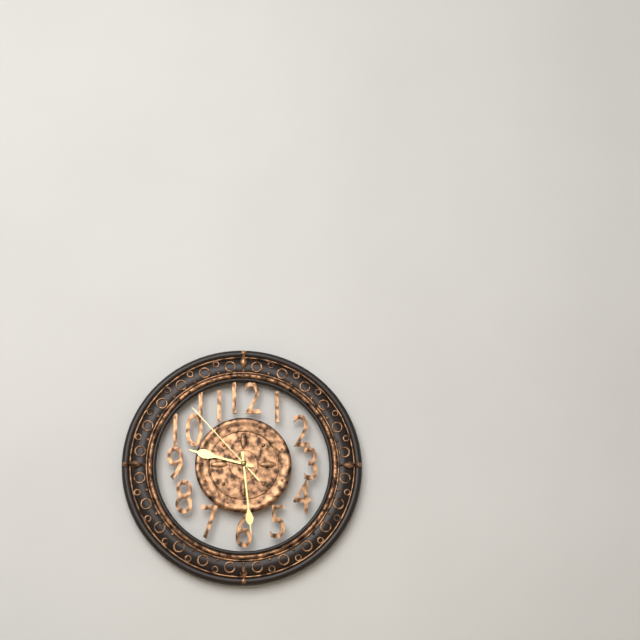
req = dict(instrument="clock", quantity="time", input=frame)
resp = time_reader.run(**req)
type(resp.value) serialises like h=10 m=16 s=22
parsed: h=9 m=29 s=53
